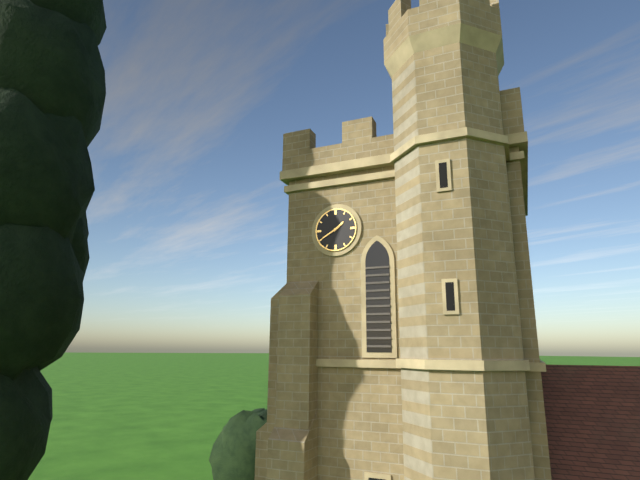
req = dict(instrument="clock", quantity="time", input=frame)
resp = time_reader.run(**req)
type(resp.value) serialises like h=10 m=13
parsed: h=1 m=40
